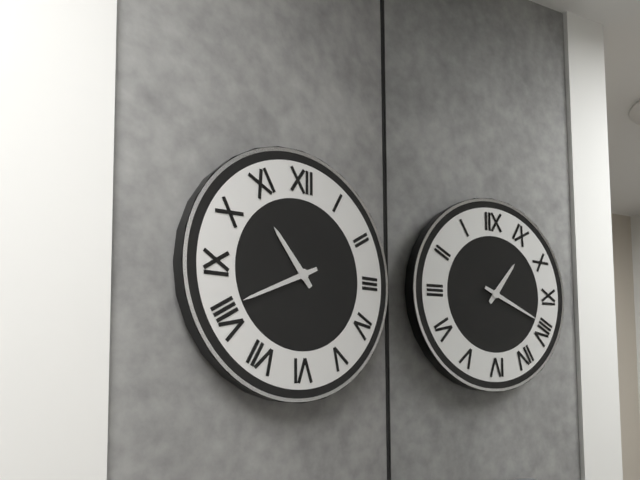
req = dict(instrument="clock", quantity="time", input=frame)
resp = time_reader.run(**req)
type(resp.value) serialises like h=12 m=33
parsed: h=10 m=41
